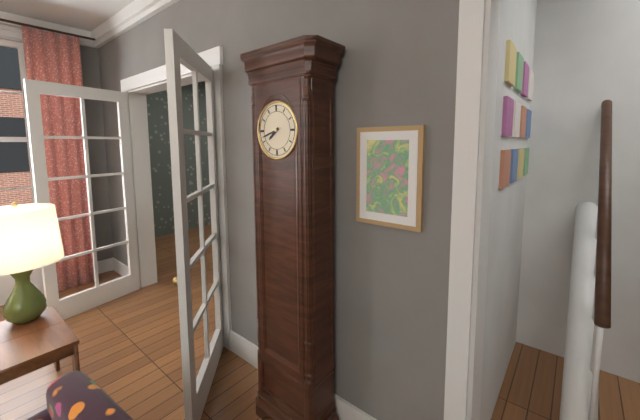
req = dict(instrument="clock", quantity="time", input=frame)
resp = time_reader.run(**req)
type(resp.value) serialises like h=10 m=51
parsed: h=7 m=42
